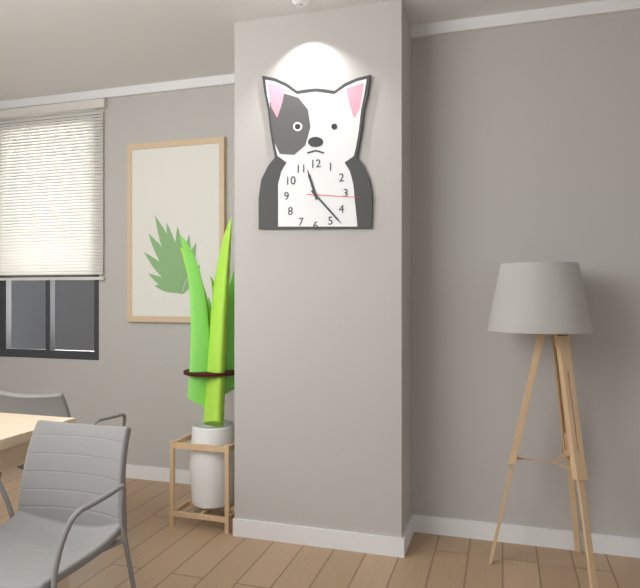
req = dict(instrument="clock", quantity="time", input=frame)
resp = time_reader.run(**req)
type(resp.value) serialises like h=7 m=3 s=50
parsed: h=11 m=23 s=16
